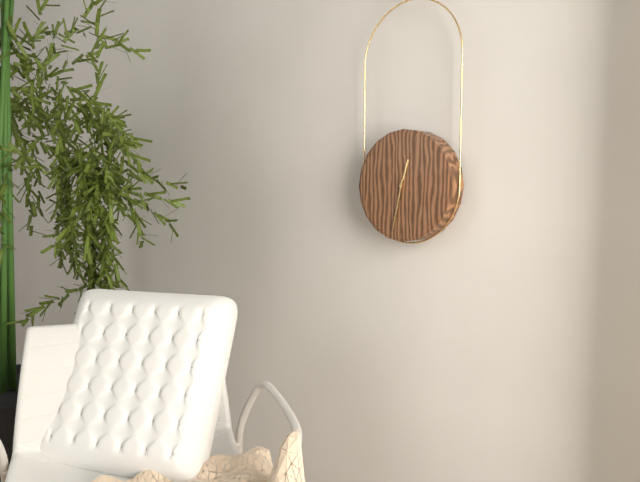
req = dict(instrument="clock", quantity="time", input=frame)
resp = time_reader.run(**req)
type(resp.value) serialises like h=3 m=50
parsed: h=12 m=32
